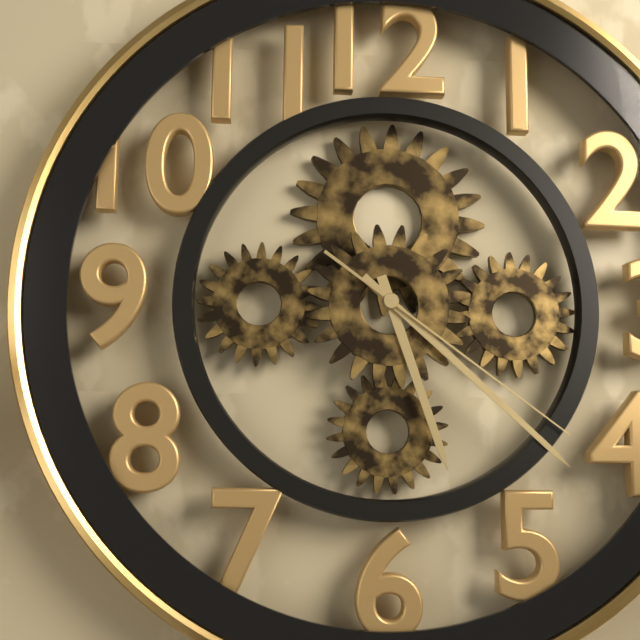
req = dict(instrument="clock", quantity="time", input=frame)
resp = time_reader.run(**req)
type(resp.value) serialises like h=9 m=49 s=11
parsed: h=5 m=22 s=21
